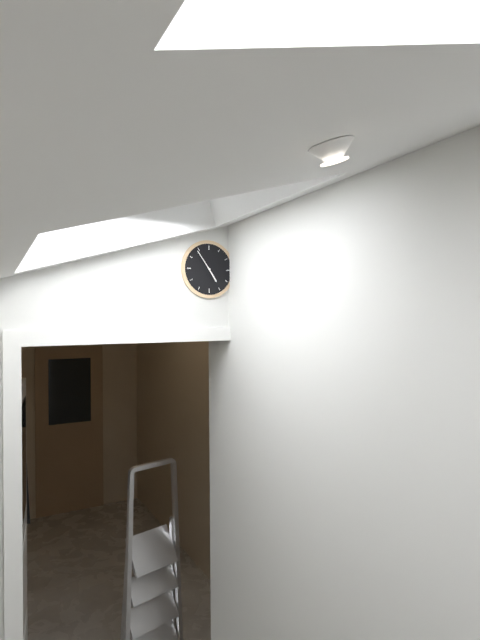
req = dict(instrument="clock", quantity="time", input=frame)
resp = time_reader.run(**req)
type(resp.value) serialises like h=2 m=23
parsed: h=4 m=54
